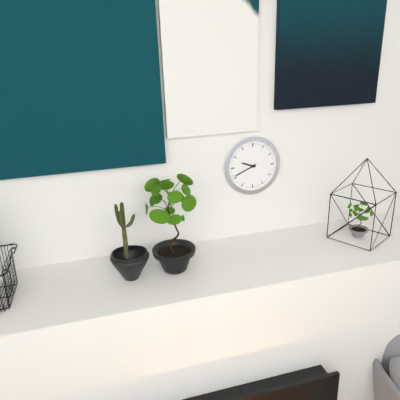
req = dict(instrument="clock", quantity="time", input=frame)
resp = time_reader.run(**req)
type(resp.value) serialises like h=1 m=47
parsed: h=9 m=41
